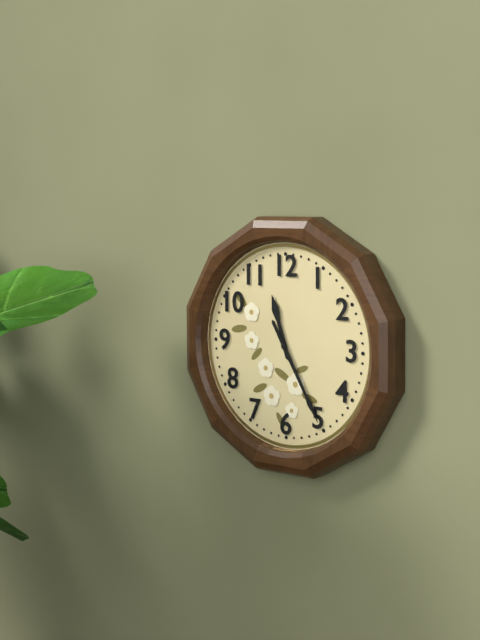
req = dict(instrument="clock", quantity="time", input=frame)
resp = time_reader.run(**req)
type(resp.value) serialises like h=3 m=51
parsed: h=11 m=25
